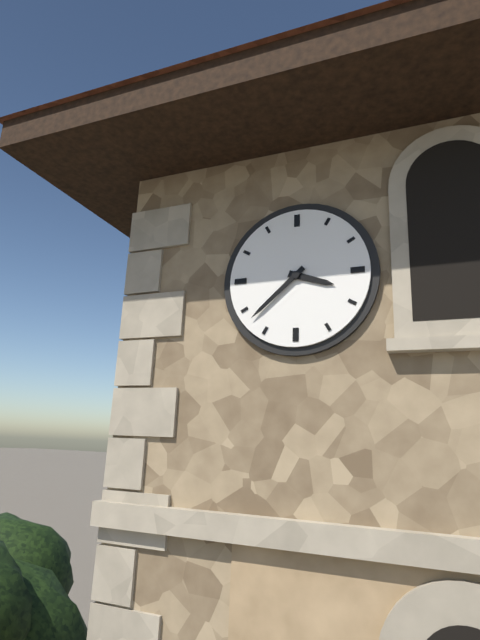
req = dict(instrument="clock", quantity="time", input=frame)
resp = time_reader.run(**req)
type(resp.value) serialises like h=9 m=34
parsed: h=3 m=38
